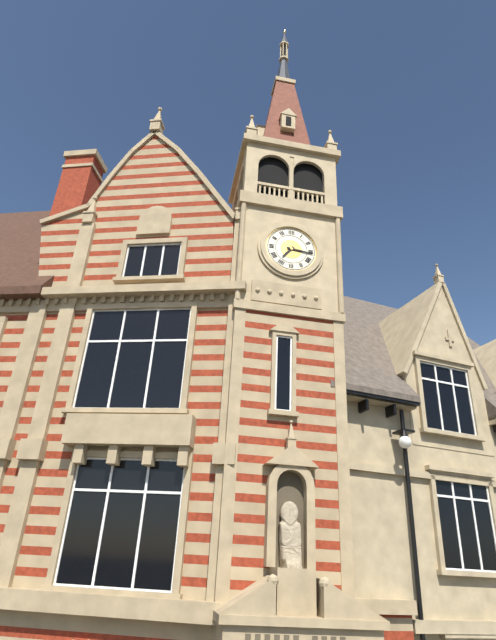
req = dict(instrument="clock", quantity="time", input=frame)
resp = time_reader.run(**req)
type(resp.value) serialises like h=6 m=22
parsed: h=7 m=16
